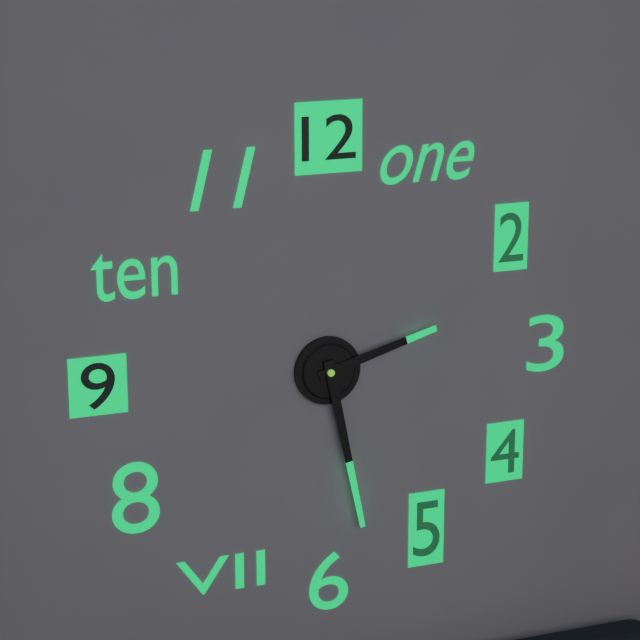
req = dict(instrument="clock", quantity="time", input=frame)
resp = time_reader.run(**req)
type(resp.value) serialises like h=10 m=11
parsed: h=2 m=28
